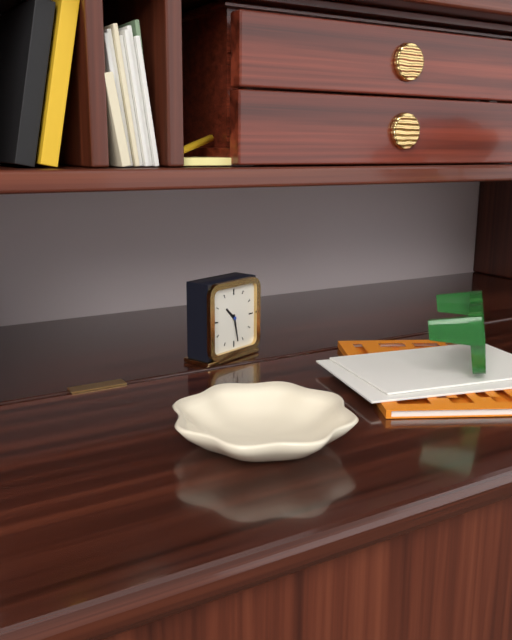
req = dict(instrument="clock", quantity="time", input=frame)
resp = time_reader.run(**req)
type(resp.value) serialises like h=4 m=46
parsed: h=10 m=28
